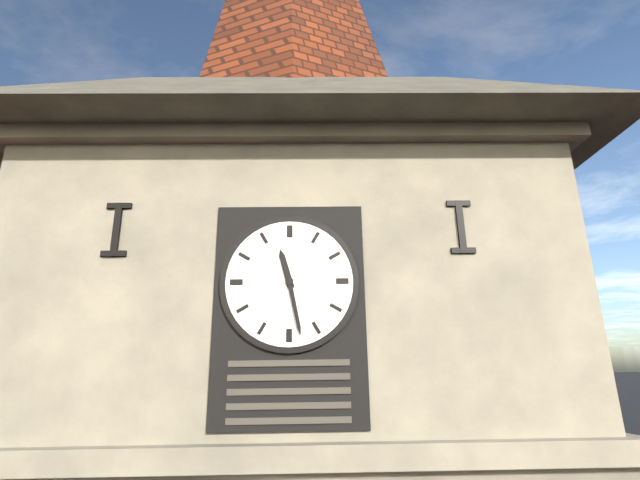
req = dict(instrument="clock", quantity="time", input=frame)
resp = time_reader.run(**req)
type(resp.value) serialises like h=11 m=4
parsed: h=11 m=28
